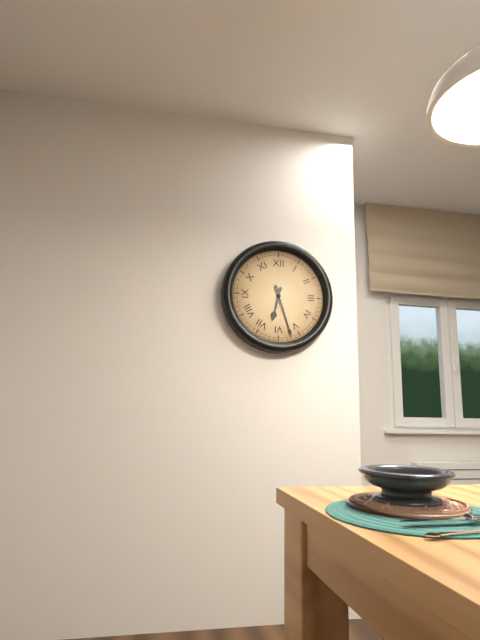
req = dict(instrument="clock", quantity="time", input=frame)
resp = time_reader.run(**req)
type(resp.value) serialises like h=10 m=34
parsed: h=6 m=27
